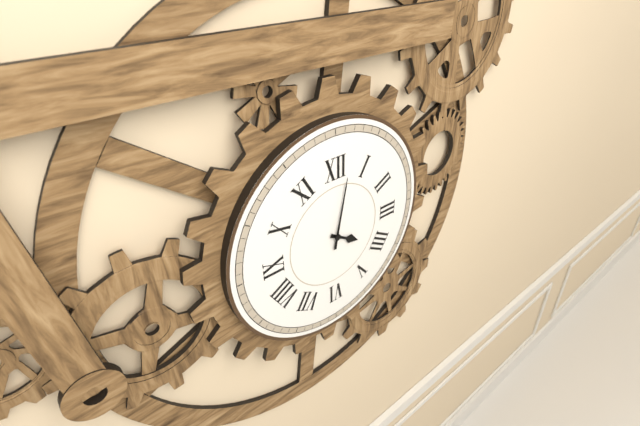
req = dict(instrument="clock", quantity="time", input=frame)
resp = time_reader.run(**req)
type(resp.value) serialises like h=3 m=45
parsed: h=4 m=2
